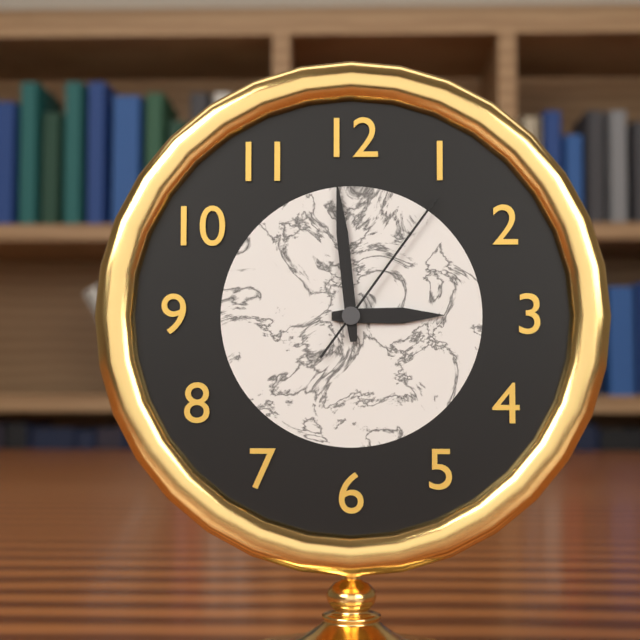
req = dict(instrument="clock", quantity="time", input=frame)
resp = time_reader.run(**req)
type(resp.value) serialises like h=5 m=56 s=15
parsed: h=2 m=59 s=6
